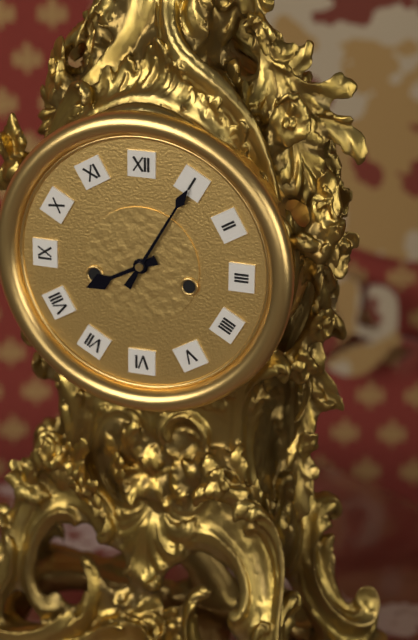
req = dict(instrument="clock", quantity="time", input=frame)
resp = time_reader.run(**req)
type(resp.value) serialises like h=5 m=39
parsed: h=8 m=5
